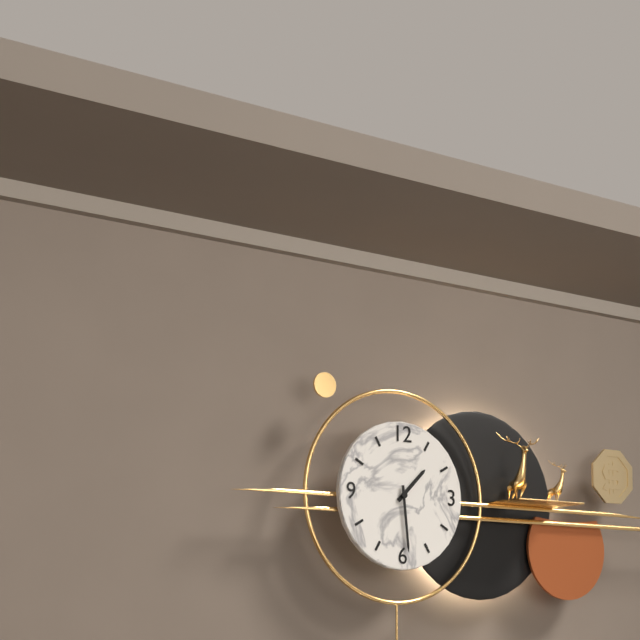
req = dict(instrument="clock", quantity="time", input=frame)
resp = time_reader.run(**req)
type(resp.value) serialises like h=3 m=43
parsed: h=1 m=29
